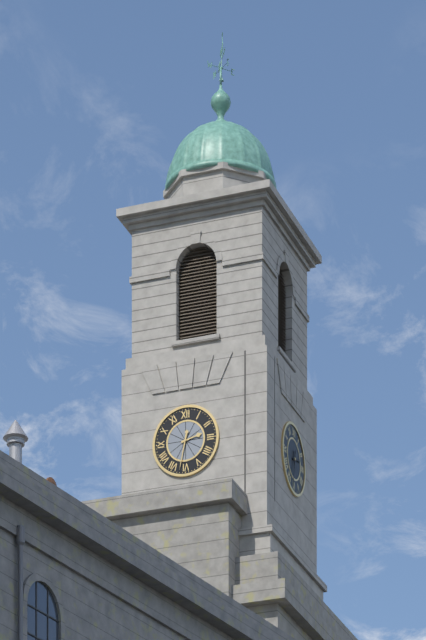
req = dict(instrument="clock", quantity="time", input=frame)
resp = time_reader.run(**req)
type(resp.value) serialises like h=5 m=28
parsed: h=2 m=32
